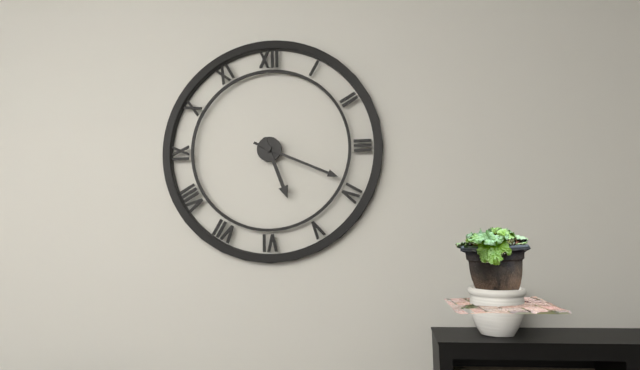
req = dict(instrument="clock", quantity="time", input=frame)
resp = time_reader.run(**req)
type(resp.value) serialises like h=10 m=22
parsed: h=5 m=19
